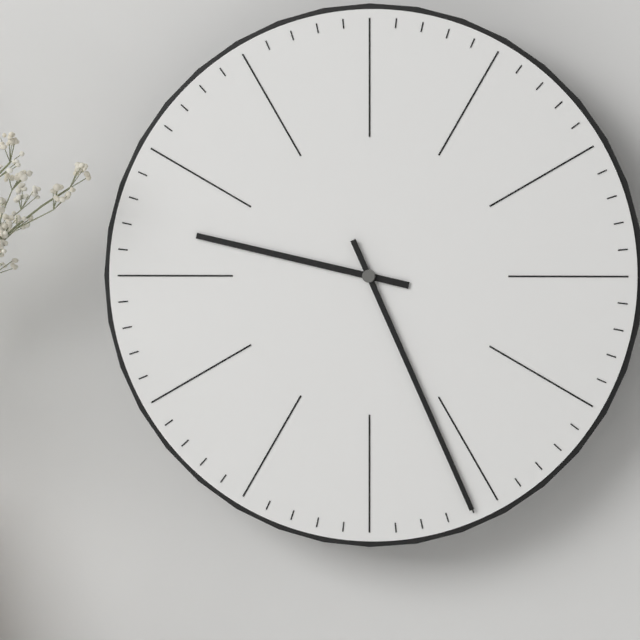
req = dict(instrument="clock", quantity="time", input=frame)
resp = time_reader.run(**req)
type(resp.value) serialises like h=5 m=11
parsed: h=9 m=26
